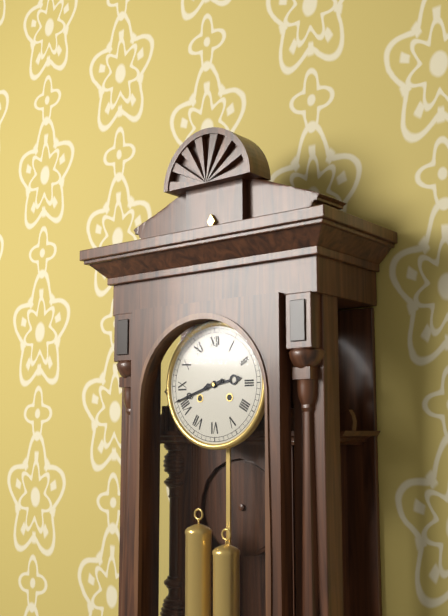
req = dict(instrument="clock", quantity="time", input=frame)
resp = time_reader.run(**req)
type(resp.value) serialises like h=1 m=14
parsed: h=2 m=42
